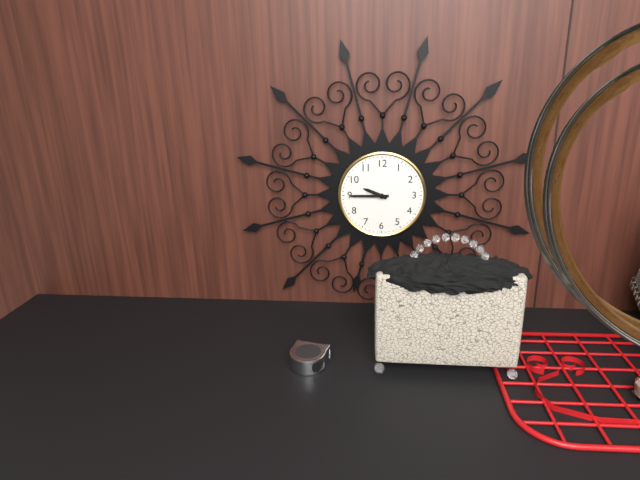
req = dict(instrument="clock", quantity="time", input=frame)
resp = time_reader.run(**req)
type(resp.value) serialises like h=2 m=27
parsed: h=9 m=45
